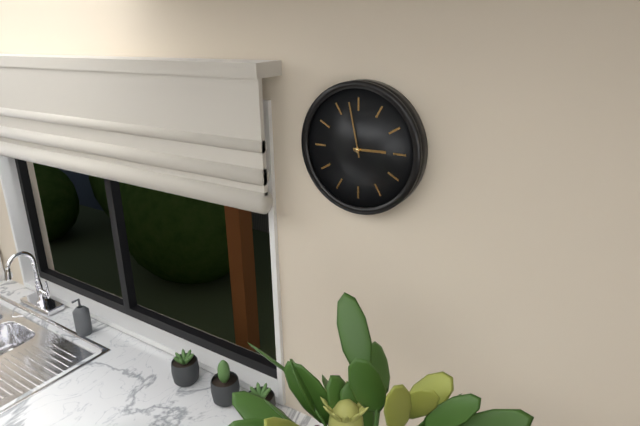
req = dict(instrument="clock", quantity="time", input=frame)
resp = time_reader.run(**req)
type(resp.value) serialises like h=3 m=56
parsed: h=2 m=58
